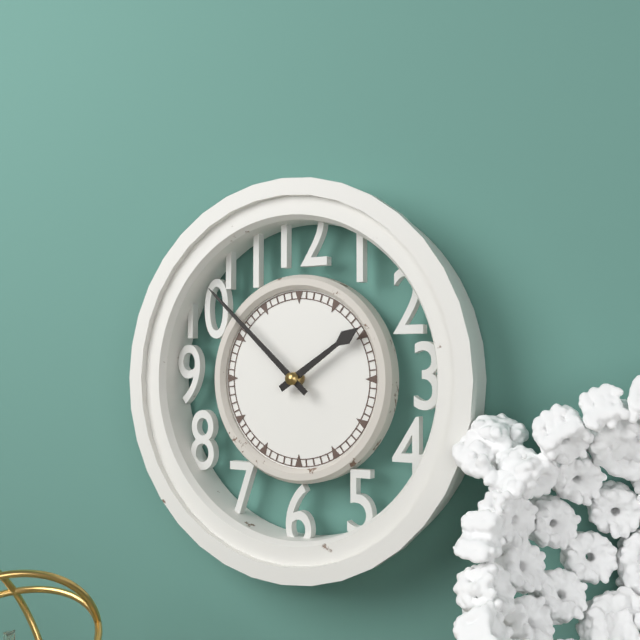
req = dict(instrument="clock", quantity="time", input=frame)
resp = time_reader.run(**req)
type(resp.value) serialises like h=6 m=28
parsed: h=1 m=52
